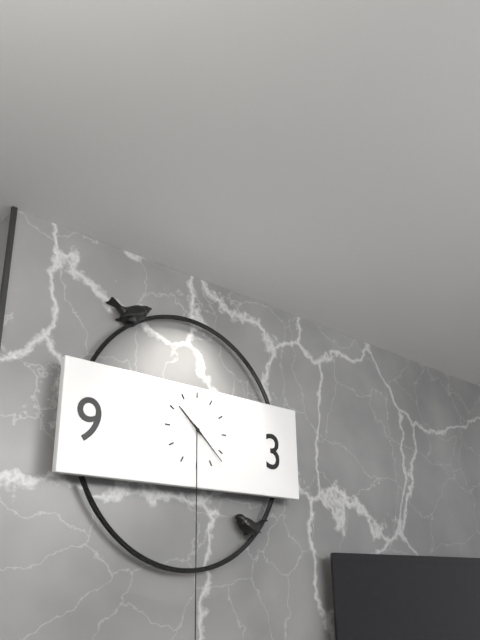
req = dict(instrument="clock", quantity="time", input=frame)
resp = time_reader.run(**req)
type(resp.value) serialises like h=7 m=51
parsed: h=10 m=22
